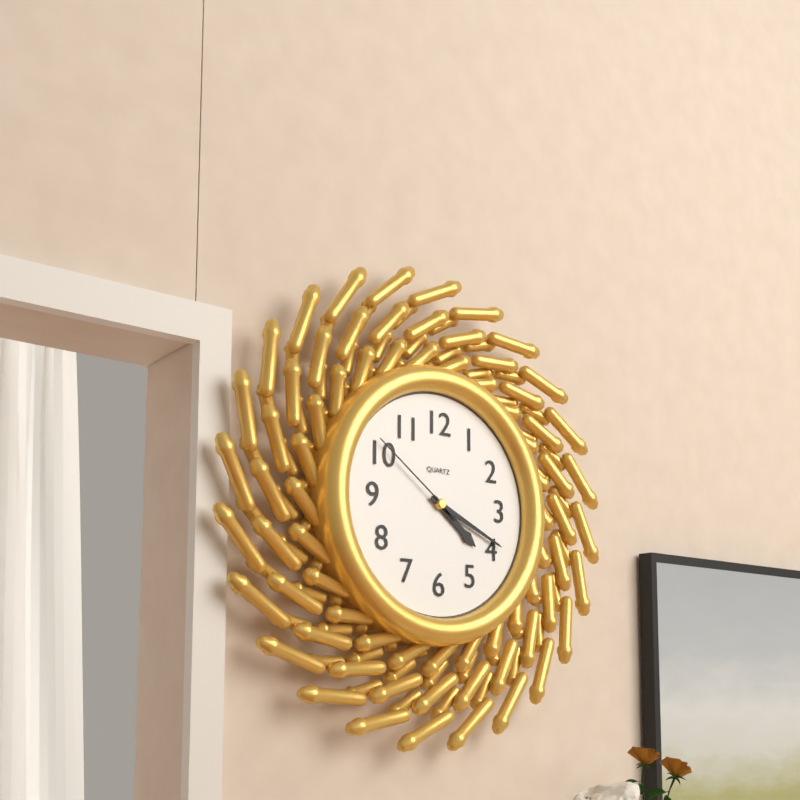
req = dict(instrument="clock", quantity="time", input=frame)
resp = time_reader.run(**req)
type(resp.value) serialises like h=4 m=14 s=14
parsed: h=4 m=19 s=51
